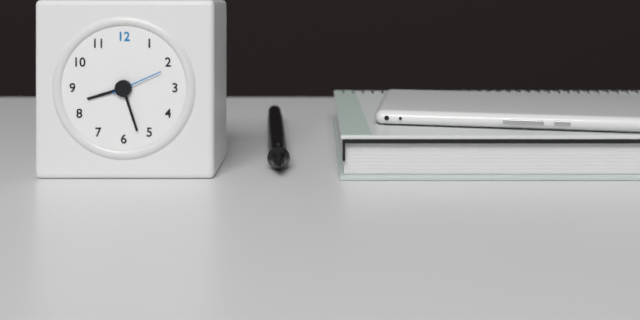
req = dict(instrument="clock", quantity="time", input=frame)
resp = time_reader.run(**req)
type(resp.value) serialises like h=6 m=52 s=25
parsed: h=8 m=27 s=11
